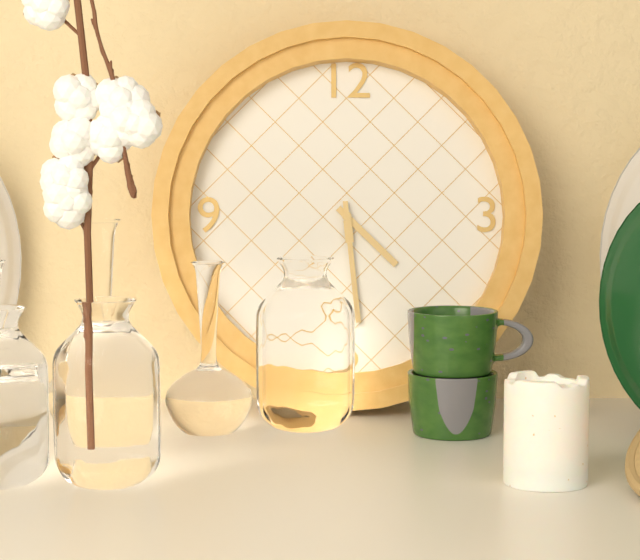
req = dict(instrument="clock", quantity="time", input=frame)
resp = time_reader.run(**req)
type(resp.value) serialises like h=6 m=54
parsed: h=4 m=29
